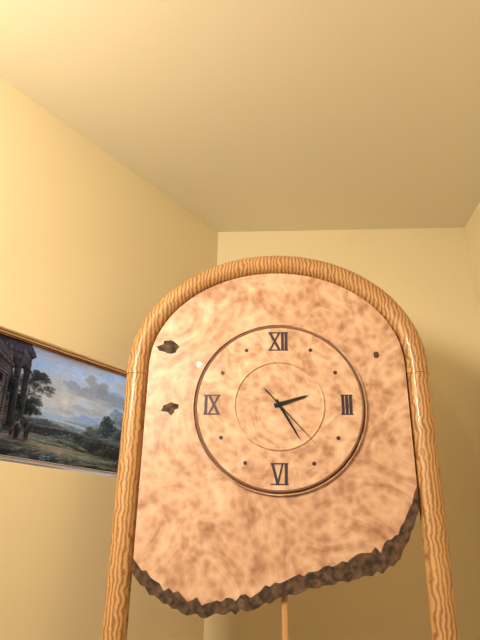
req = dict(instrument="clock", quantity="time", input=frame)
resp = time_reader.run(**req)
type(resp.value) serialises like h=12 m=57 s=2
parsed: h=2 m=25 s=23
